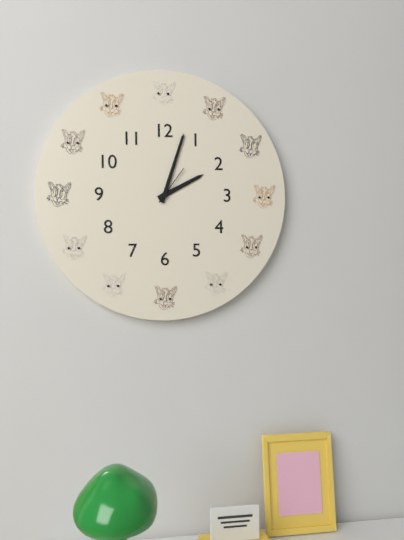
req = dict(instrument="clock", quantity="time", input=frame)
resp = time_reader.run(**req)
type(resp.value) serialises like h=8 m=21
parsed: h=2 m=3
